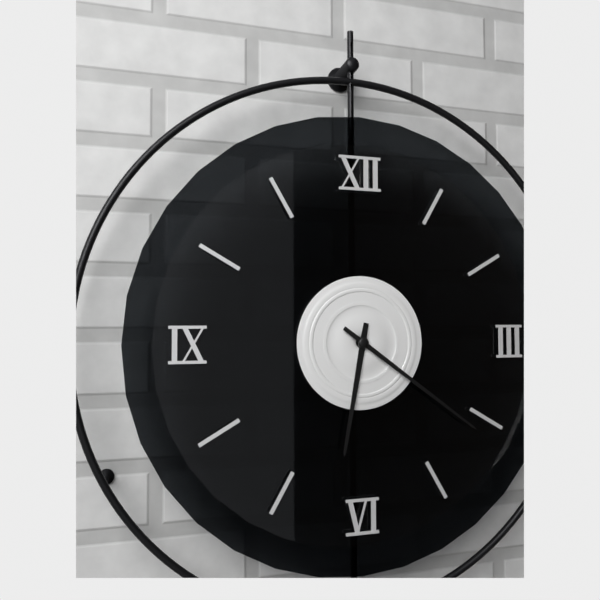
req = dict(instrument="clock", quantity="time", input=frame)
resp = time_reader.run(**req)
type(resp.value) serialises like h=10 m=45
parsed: h=6 m=21
